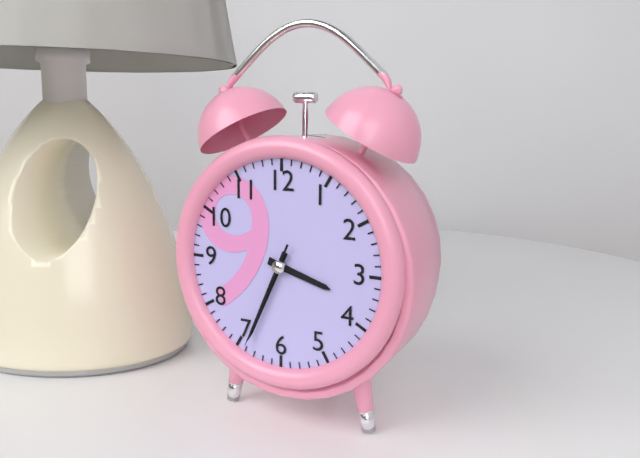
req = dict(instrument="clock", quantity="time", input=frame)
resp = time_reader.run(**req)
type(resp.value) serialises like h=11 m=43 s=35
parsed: h=3 m=34 s=34
